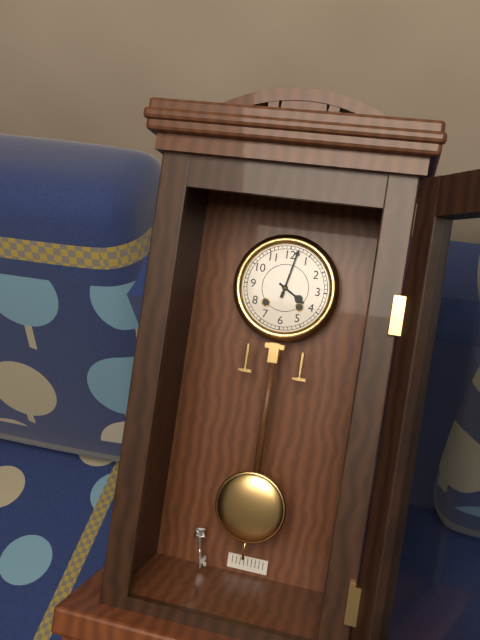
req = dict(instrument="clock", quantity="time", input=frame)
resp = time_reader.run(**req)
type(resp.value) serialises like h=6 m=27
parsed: h=4 m=2
